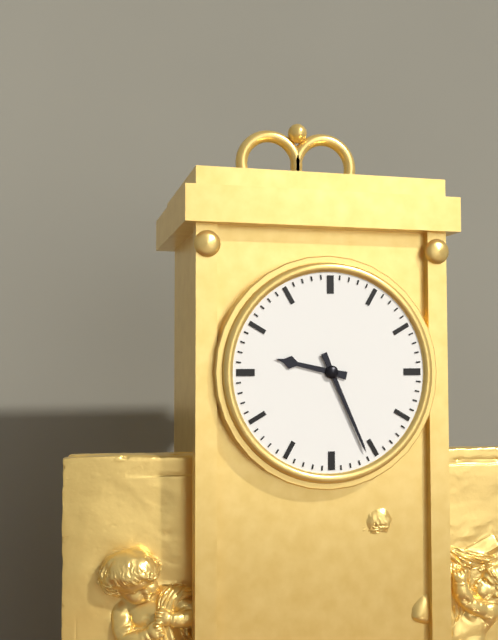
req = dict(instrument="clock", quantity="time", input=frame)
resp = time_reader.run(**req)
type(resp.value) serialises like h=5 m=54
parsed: h=9 m=26
